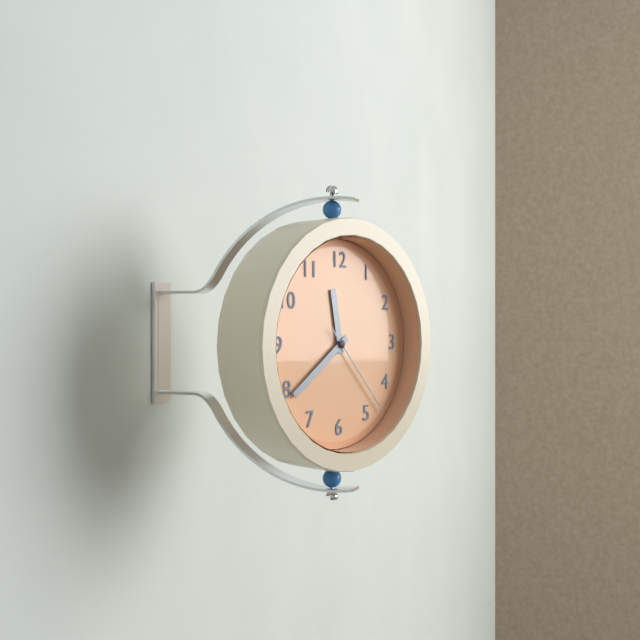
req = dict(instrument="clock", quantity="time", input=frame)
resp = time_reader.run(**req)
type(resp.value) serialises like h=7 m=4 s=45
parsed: h=11 m=39 s=23
